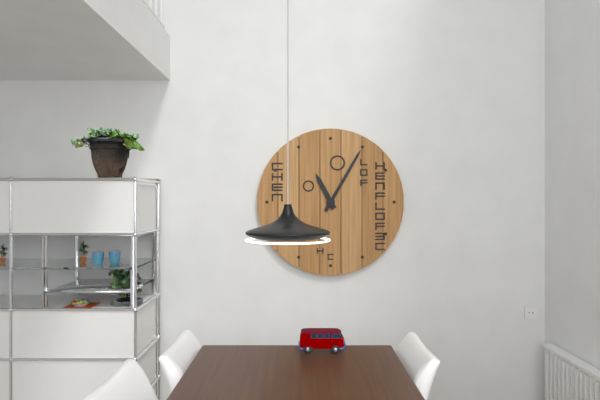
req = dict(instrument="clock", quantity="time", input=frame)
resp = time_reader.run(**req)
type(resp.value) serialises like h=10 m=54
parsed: h=11 m=5
